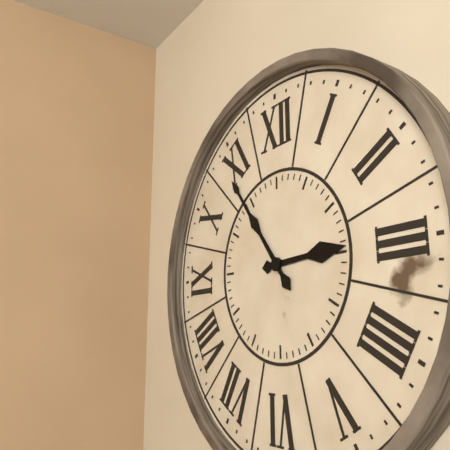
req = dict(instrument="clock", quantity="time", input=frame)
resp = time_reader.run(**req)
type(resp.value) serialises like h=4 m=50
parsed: h=2 m=54
